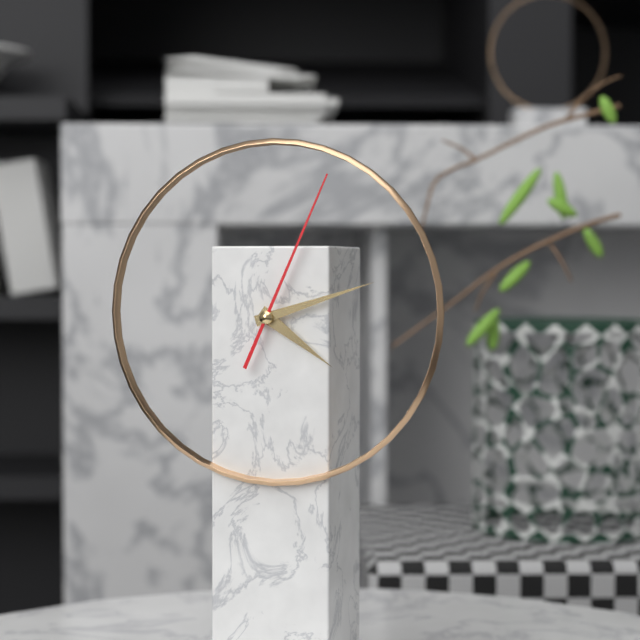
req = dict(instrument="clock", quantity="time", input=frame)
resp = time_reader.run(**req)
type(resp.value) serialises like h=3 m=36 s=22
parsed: h=4 m=12 s=4
